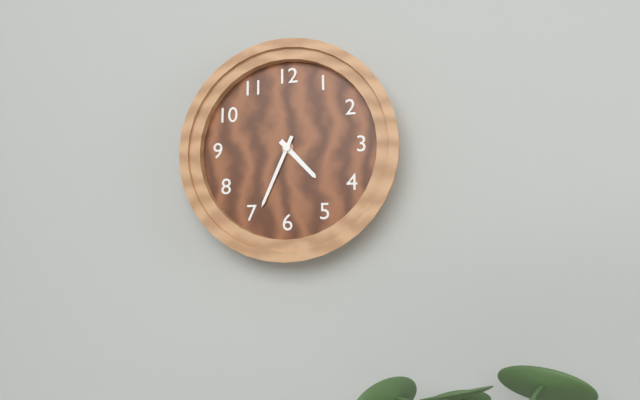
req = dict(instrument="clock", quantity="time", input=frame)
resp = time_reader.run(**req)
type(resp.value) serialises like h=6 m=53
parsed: h=4 m=34
